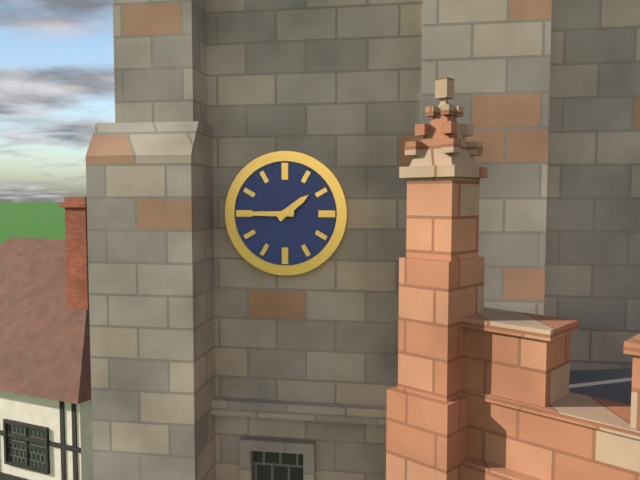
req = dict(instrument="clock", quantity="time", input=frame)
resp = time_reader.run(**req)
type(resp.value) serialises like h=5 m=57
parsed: h=1 m=45
